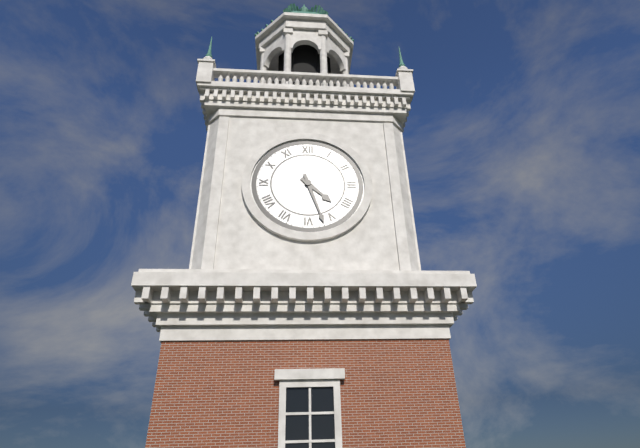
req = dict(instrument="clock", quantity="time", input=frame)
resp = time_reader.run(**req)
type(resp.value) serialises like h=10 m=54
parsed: h=4 m=27
